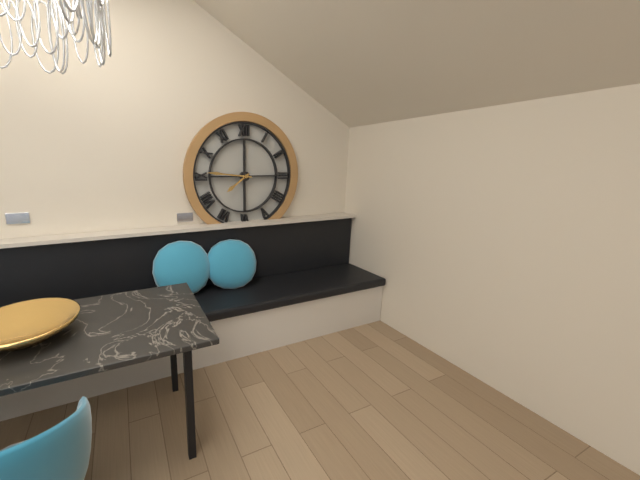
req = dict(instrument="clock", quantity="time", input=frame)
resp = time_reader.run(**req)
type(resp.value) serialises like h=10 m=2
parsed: h=7 m=46
